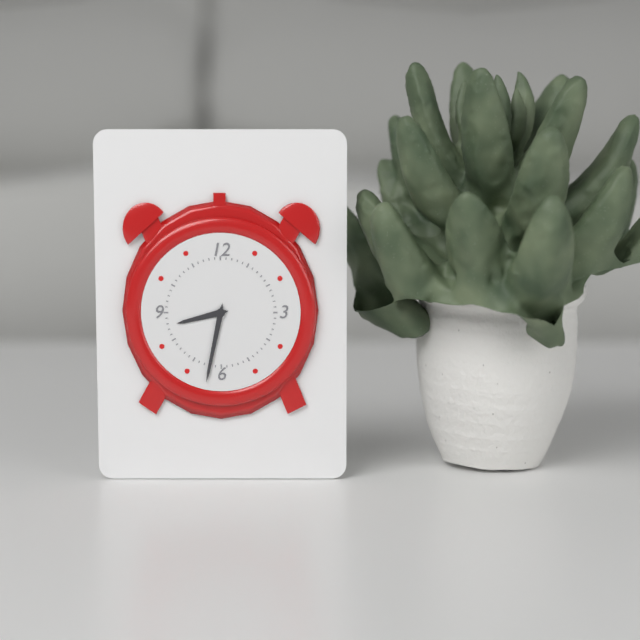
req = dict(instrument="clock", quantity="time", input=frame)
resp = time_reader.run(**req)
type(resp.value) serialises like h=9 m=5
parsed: h=8 m=32
